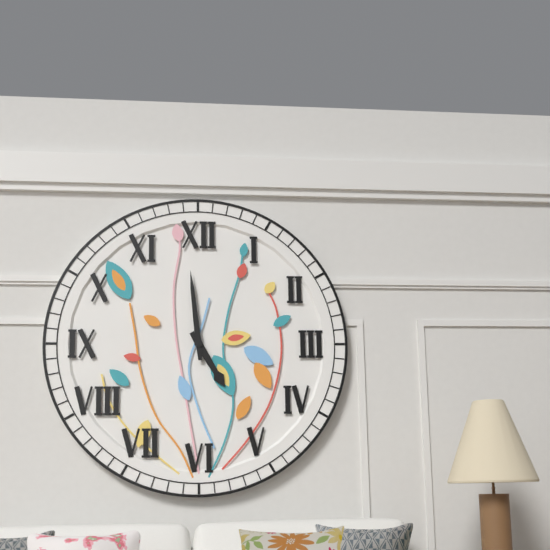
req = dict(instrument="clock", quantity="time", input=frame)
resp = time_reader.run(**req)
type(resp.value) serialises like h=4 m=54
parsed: h=4 m=59
